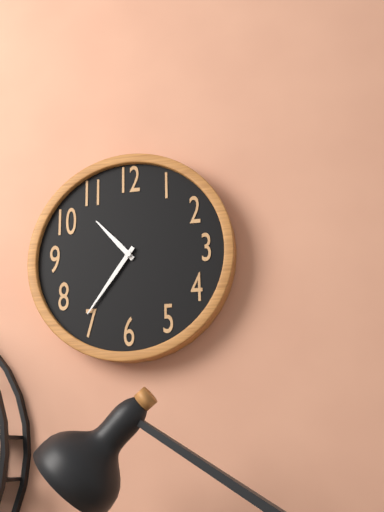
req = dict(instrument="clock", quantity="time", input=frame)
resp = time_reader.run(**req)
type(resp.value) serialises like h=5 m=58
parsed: h=10 m=36
